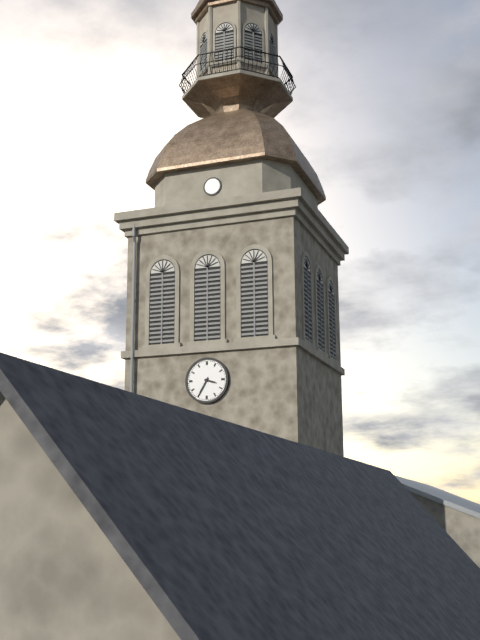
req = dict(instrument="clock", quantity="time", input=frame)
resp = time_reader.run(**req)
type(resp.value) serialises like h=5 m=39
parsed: h=3 m=35
